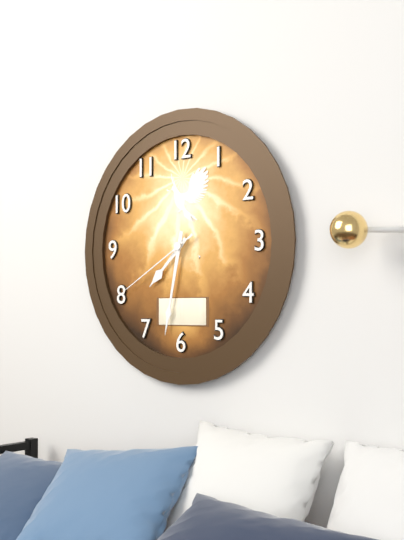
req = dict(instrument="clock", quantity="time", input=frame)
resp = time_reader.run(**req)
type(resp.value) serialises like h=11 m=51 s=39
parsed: h=7 m=32 s=40
